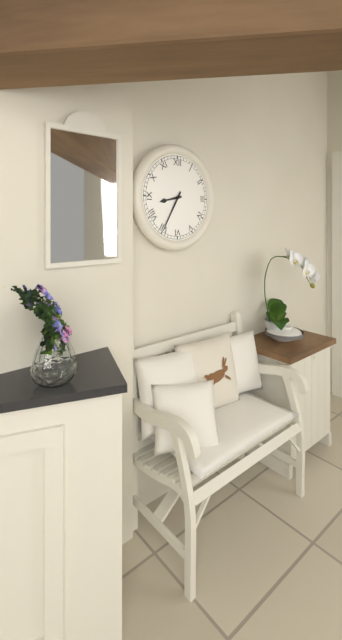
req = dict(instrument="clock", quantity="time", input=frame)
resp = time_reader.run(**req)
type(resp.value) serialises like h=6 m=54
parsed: h=8 m=35
